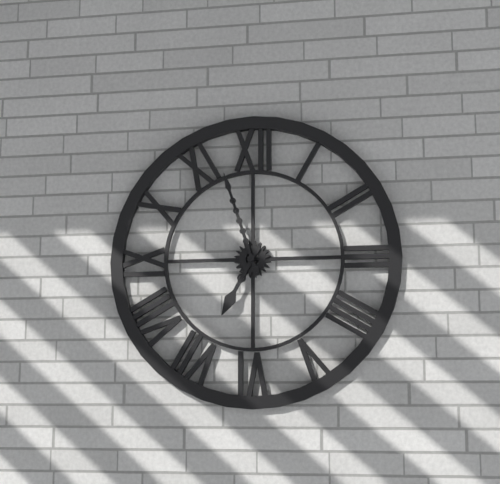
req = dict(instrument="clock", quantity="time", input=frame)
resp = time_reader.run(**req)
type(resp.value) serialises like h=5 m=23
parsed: h=6 m=57
